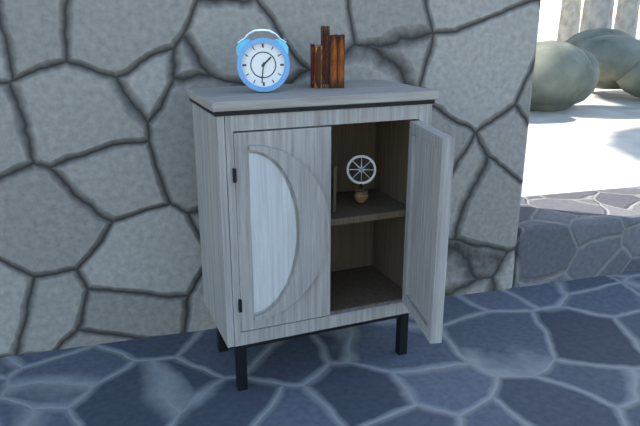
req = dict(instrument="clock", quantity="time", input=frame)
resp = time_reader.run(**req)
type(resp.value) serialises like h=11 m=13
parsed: h=1 m=31
